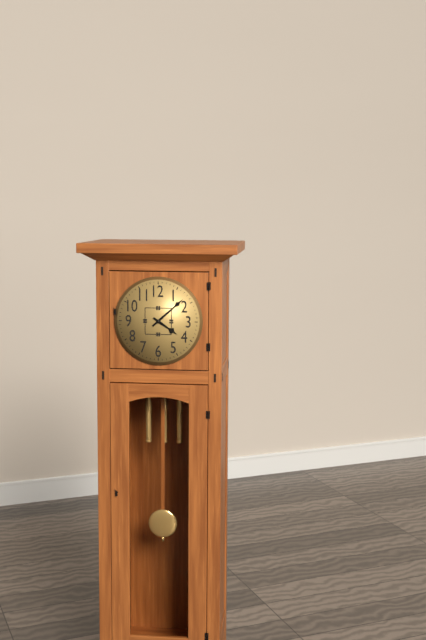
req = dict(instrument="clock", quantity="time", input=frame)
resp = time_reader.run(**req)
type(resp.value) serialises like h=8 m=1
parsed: h=4 m=8
